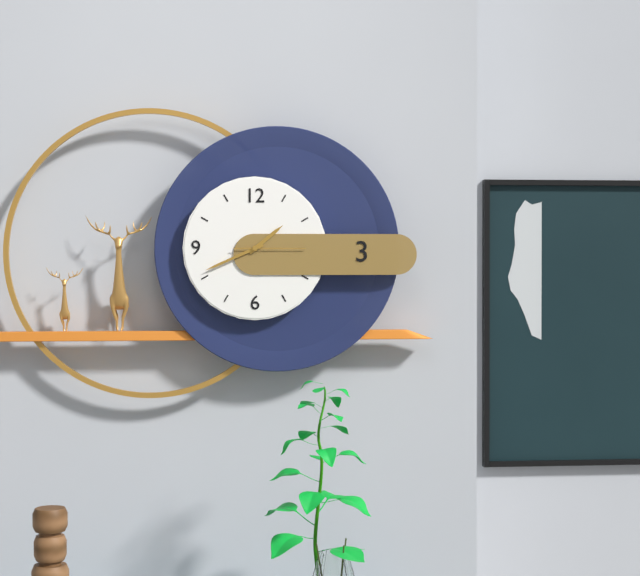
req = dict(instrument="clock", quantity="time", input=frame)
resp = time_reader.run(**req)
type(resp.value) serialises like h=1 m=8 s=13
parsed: h=1 m=41 s=15
